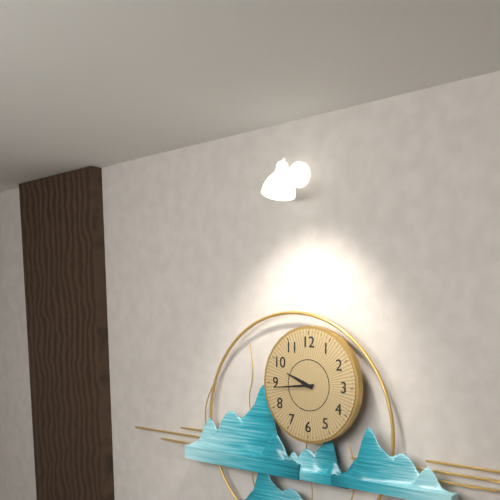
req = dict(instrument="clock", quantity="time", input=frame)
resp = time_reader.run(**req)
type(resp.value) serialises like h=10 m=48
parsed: h=9 m=44
